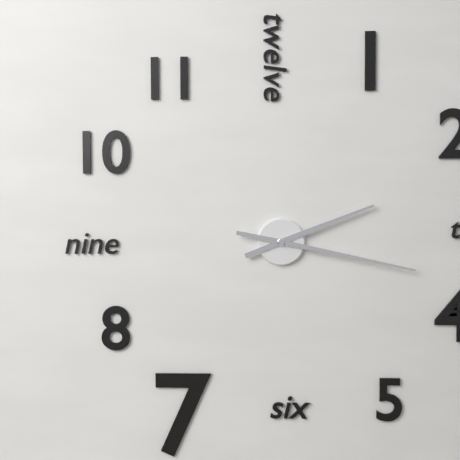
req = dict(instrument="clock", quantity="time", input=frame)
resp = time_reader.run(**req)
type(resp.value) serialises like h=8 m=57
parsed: h=2 m=17
